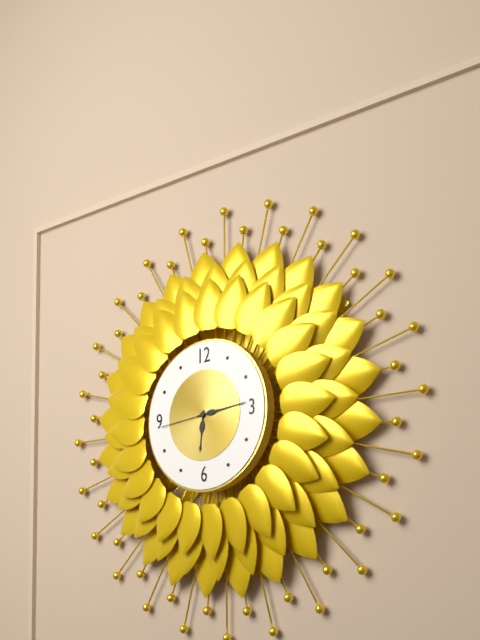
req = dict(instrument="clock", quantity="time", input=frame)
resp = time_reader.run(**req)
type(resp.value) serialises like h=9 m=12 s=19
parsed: h=6 m=14 s=44
